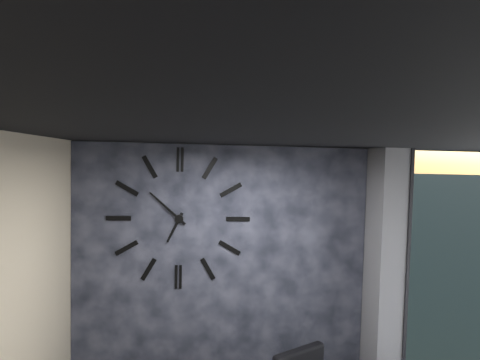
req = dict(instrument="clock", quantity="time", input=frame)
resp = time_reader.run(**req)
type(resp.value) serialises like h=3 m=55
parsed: h=6 m=52
